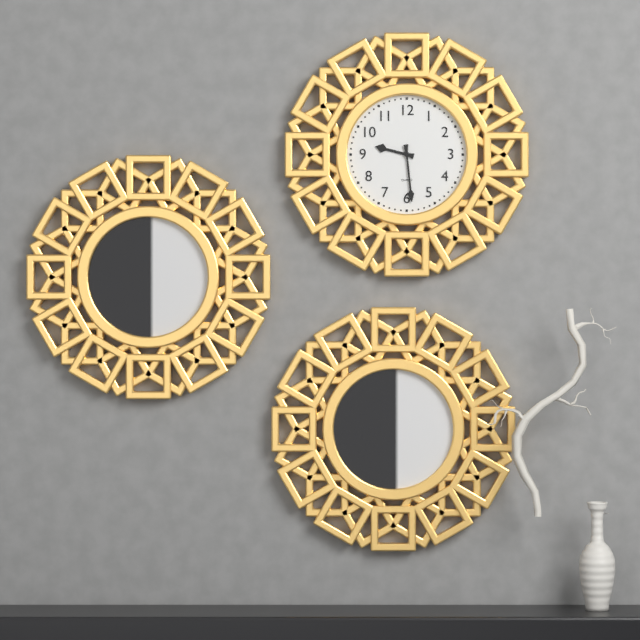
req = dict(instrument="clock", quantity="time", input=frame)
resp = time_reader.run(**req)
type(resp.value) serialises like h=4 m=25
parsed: h=9 m=29
